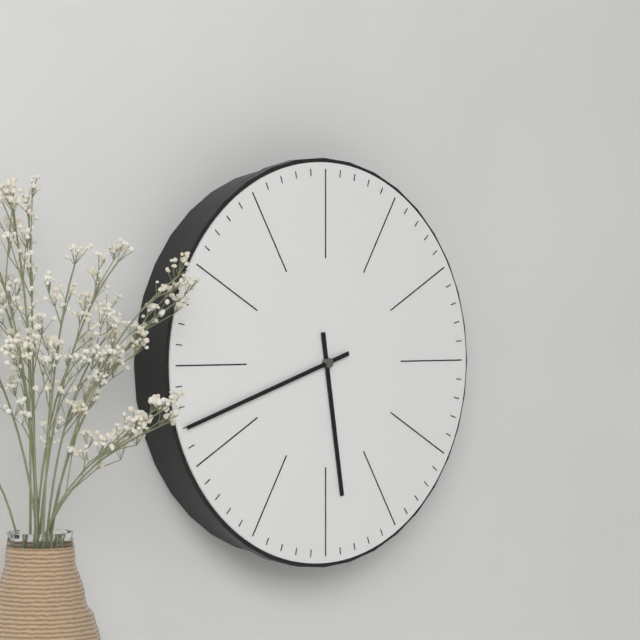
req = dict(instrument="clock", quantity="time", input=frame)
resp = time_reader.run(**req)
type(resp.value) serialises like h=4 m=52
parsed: h=5 m=42
